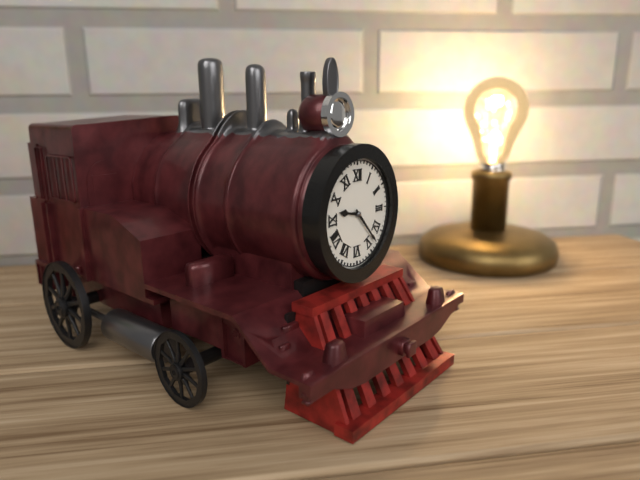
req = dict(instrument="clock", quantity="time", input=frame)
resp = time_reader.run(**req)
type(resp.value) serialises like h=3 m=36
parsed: h=9 m=23
